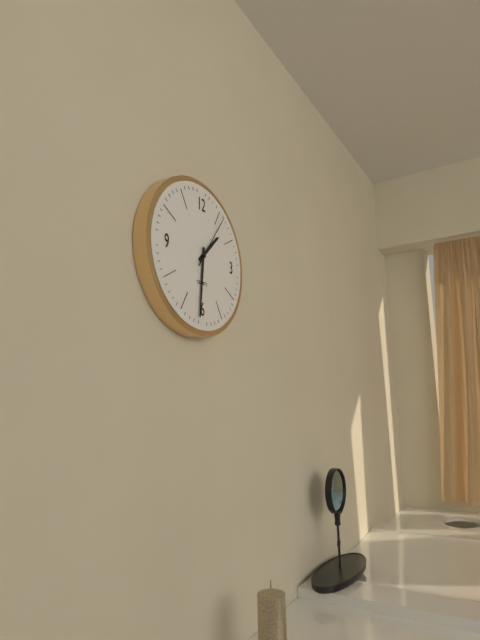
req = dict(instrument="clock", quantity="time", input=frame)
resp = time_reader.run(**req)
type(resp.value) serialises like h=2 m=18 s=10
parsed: h=1 m=31 s=6
